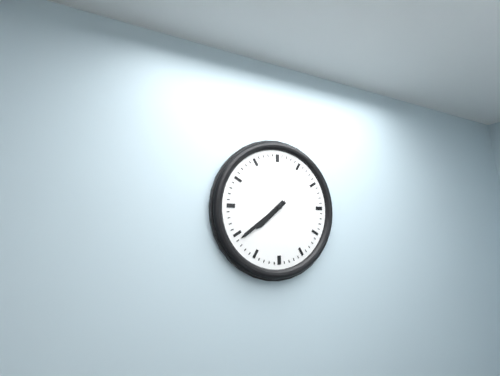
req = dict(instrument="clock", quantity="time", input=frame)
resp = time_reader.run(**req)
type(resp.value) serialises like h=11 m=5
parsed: h=7 m=39
